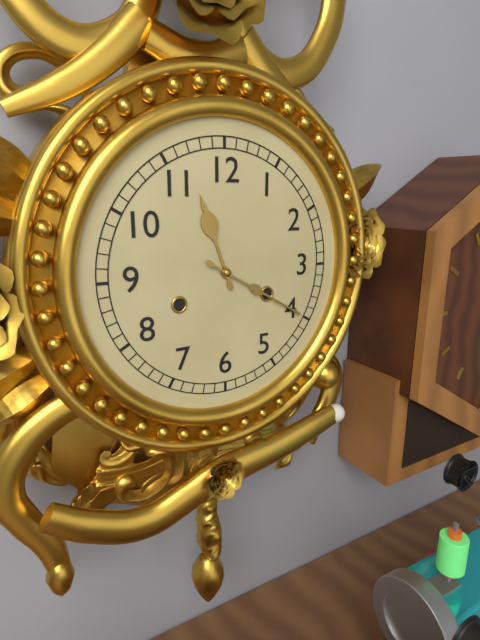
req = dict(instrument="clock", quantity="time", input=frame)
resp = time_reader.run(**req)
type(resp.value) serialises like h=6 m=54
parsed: h=11 m=20
